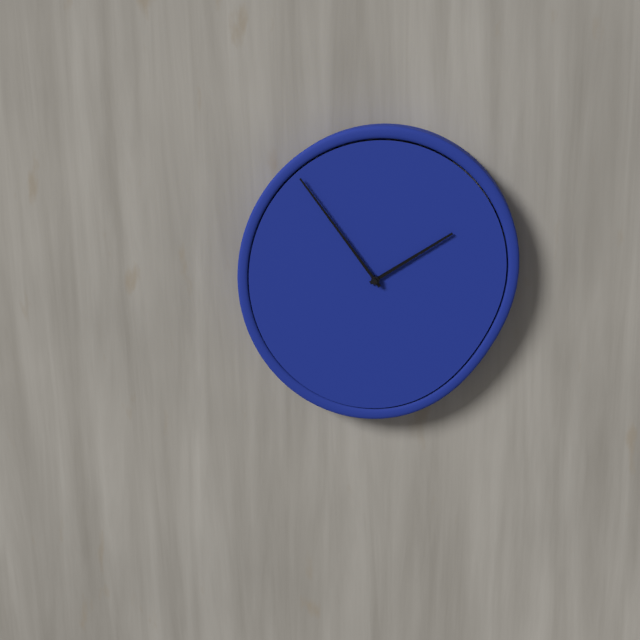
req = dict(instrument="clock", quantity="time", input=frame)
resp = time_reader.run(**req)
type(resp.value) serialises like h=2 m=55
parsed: h=1 m=54
